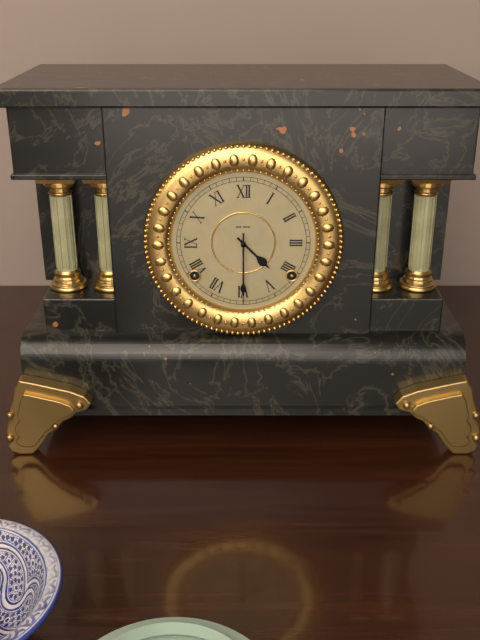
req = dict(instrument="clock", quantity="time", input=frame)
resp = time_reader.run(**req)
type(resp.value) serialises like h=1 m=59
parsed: h=4 m=30
